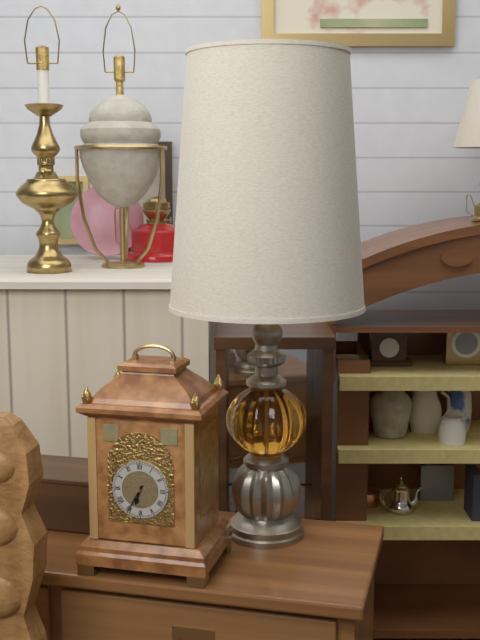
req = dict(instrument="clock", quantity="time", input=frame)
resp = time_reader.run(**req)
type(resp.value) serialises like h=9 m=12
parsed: h=6 m=35
